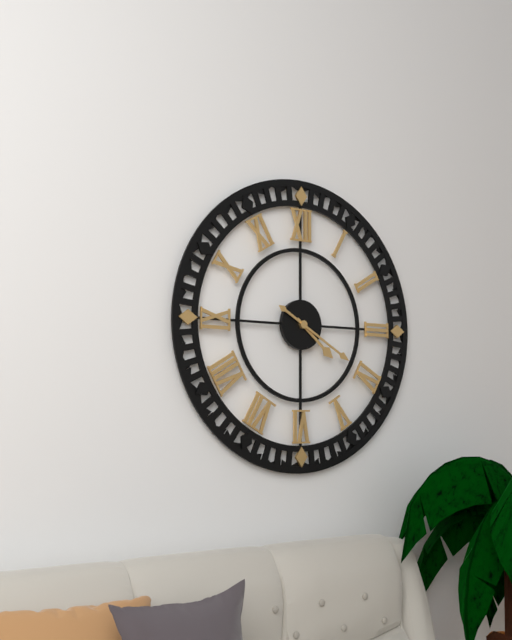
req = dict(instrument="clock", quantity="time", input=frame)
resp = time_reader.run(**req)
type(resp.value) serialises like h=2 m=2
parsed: h=4 m=20
